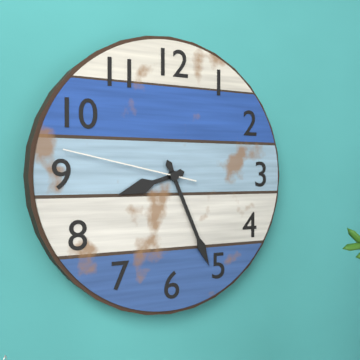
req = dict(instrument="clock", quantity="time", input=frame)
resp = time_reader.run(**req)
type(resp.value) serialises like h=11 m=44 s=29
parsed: h=8 m=26 s=47
